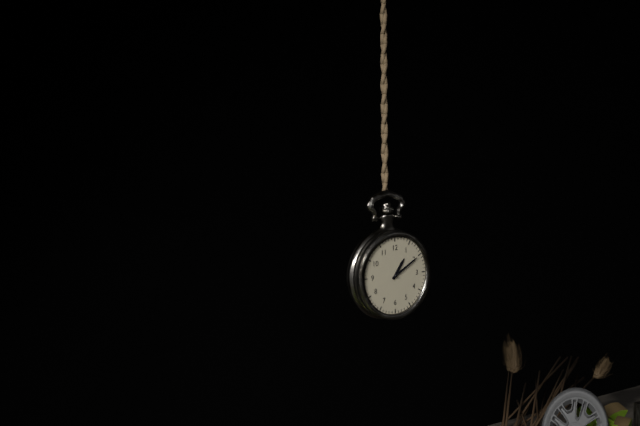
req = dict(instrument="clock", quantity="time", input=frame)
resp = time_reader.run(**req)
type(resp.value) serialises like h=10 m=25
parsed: h=1 m=10
